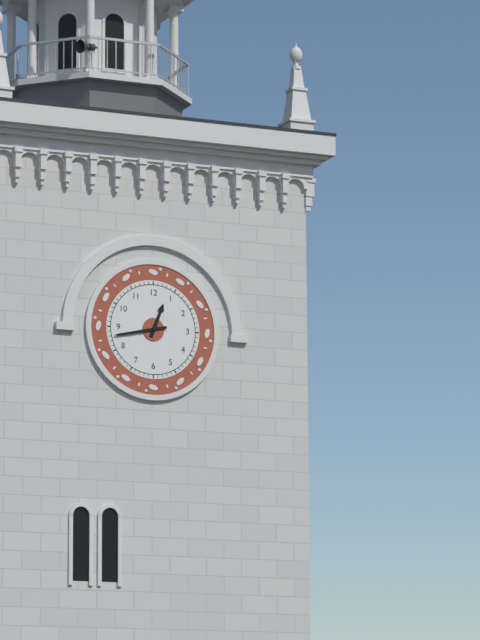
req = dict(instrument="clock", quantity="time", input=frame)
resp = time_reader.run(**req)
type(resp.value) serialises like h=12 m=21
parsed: h=12 m=43
